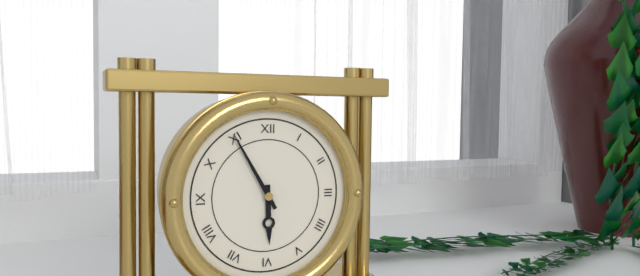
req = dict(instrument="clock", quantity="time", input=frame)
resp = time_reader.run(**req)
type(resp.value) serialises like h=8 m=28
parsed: h=5 m=55
